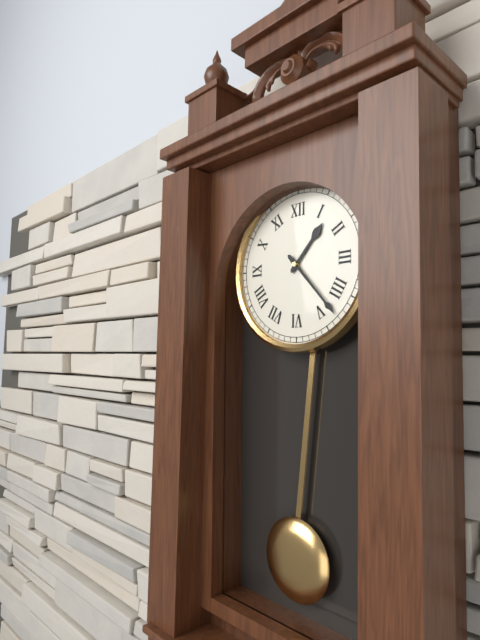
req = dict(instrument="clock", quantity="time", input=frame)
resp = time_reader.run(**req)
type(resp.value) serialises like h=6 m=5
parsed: h=1 m=23
